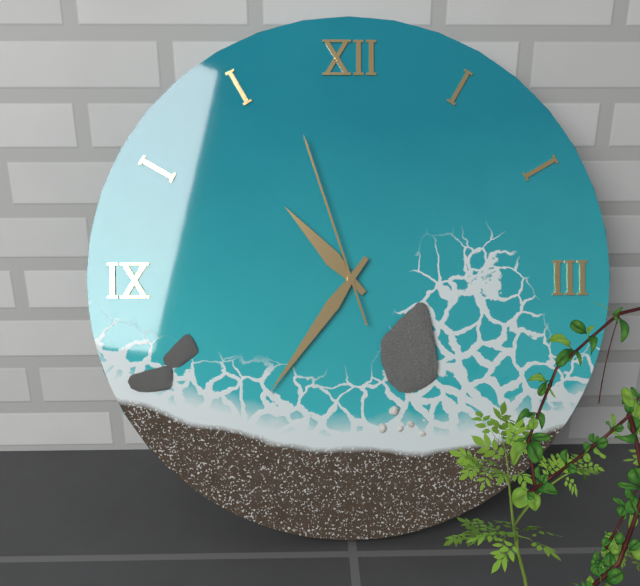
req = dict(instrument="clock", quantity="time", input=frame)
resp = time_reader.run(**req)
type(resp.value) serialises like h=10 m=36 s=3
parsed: h=10 m=36 s=57
